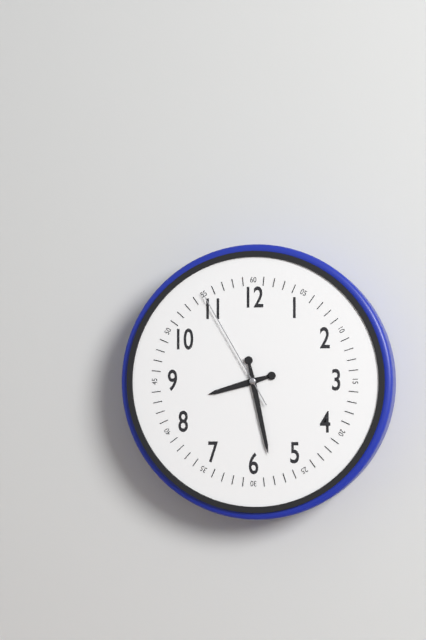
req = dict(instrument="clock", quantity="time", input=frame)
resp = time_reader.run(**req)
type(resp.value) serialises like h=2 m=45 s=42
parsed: h=8 m=28 s=55
